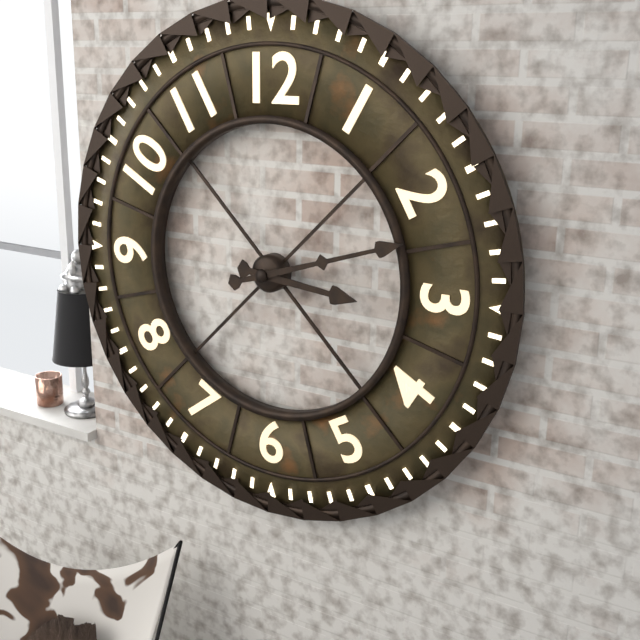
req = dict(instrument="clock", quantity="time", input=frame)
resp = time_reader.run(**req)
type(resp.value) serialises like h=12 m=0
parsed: h=3 m=12
